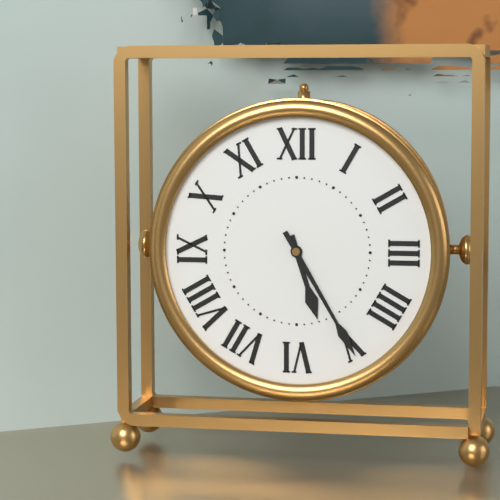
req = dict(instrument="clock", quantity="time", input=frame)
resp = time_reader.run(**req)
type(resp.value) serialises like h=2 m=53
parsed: h=5 m=25
